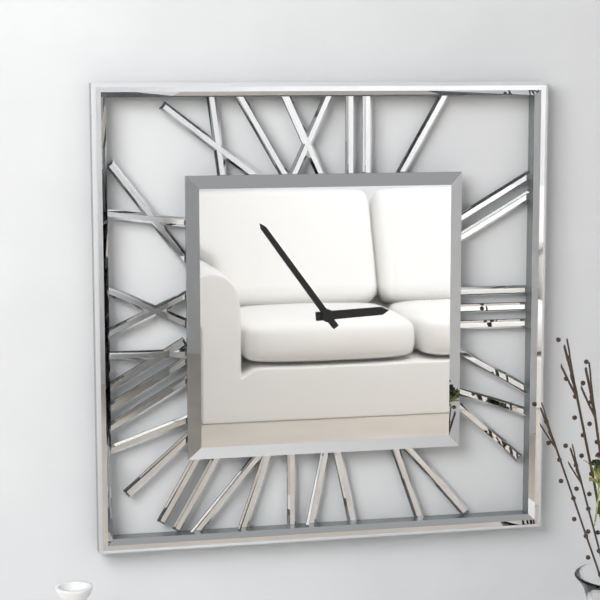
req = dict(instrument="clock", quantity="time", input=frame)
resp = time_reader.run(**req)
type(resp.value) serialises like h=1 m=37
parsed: h=2 m=54
